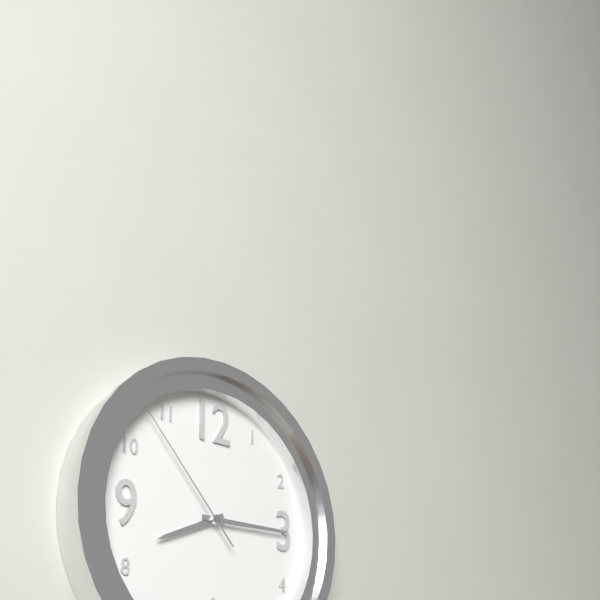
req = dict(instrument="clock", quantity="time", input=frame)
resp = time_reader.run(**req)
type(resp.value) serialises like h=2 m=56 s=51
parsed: h=8 m=15 s=53
